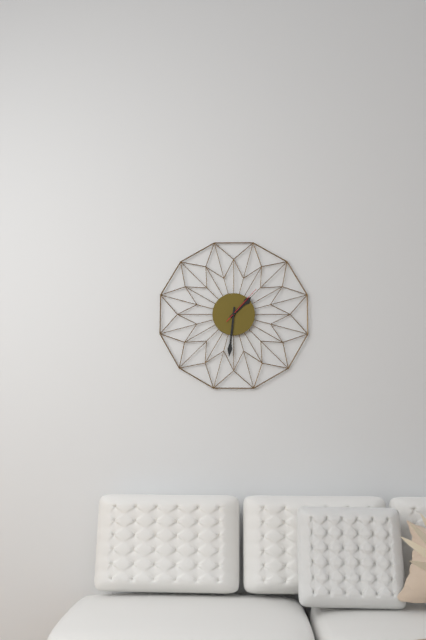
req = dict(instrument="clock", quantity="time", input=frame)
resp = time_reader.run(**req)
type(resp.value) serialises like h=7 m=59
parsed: h=1 m=31
